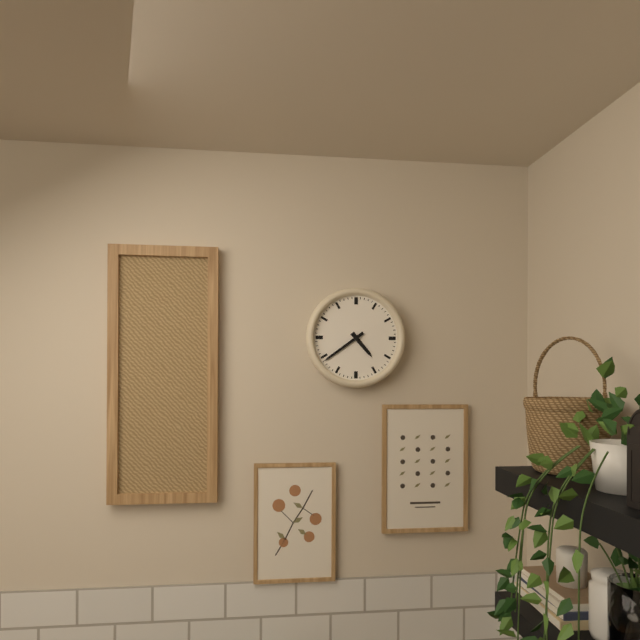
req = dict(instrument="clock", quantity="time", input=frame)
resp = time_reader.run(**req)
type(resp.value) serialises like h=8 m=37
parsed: h=4 m=39
